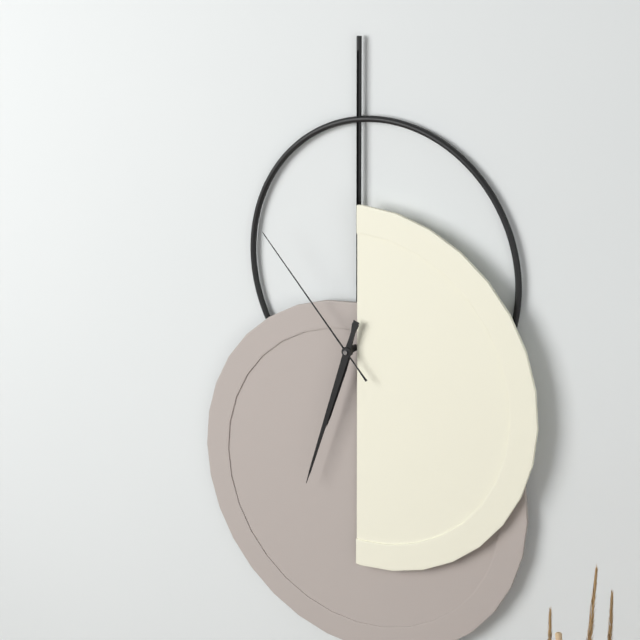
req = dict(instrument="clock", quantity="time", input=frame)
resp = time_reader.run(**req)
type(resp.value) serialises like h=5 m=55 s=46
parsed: h=6 m=33 s=53
